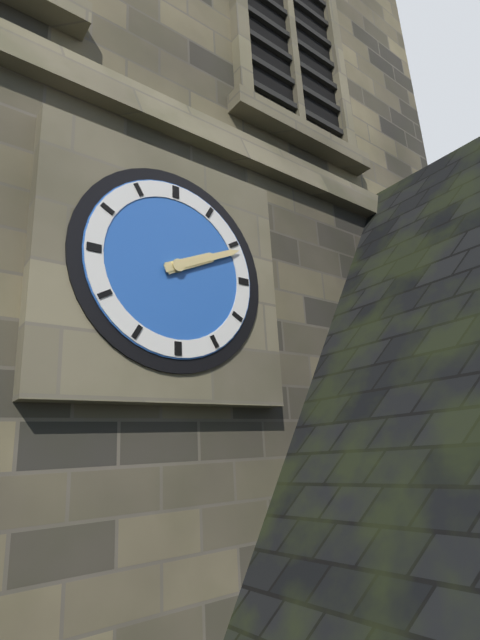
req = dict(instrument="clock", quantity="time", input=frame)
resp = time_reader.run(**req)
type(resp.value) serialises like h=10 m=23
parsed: h=2 m=11
